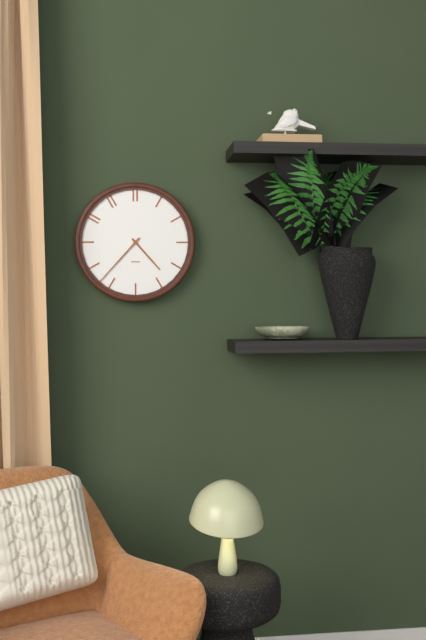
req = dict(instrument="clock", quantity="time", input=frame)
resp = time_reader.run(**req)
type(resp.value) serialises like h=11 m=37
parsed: h=4 m=37
